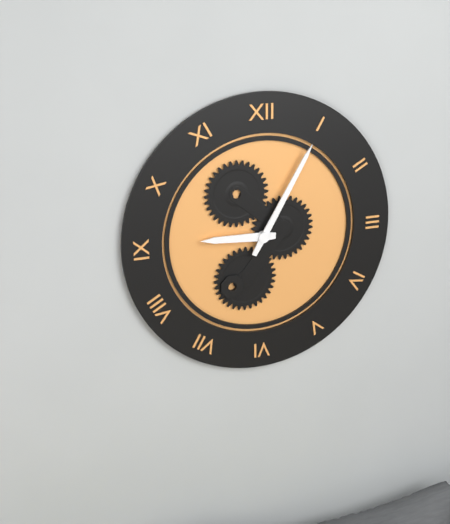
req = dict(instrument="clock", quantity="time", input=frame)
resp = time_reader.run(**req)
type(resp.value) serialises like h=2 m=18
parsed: h=9 m=5
